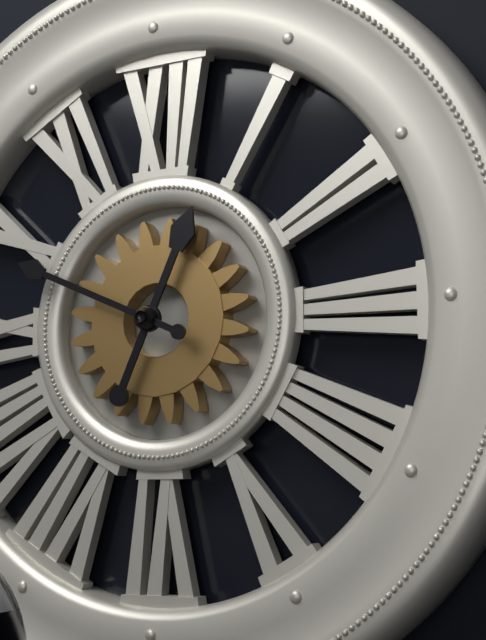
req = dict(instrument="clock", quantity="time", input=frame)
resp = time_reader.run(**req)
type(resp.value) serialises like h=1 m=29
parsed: h=12 m=49
